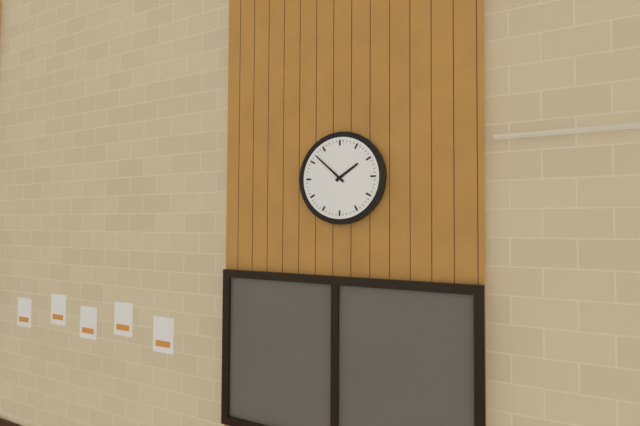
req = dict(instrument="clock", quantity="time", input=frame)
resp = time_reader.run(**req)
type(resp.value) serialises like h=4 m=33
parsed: h=1 m=52
